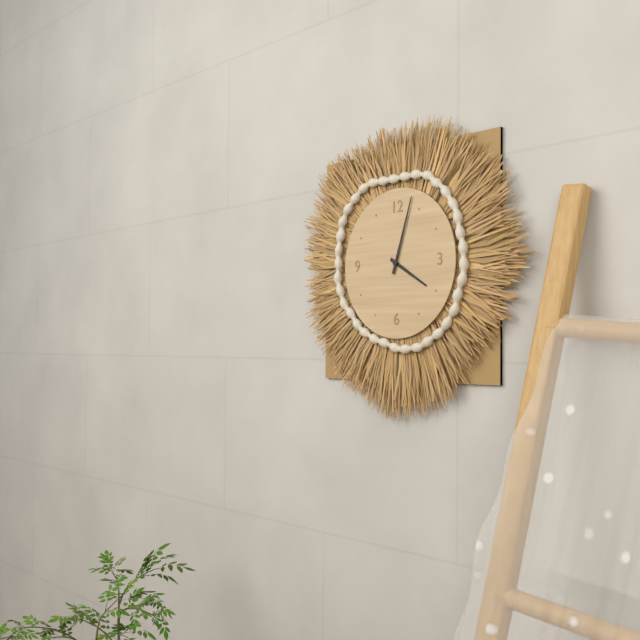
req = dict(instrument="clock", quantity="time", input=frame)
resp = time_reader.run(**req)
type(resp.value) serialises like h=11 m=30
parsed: h=4 m=3
